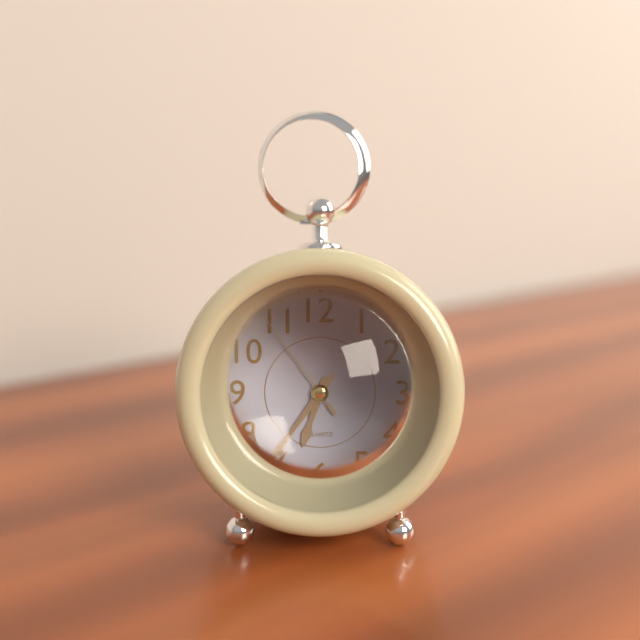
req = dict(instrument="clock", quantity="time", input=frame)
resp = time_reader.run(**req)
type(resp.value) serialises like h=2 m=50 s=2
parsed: h=6 m=36 s=54
